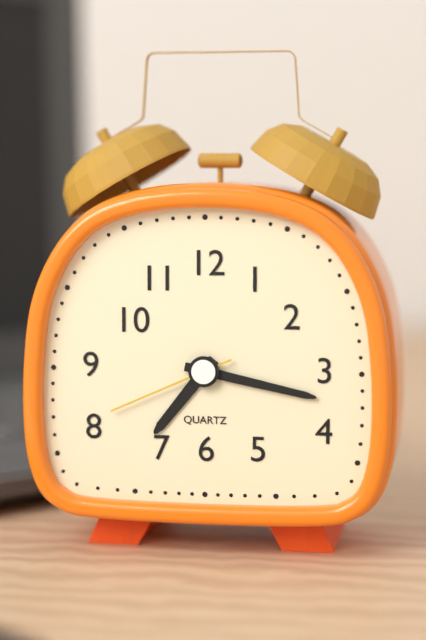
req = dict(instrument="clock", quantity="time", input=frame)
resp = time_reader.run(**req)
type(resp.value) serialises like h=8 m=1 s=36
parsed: h=7 m=17 s=41
